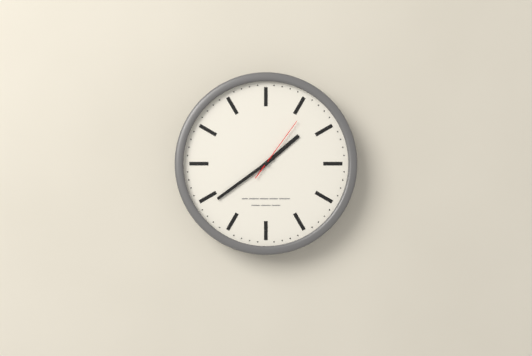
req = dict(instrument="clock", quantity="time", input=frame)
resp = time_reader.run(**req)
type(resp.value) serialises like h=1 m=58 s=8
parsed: h=1 m=39 s=6
